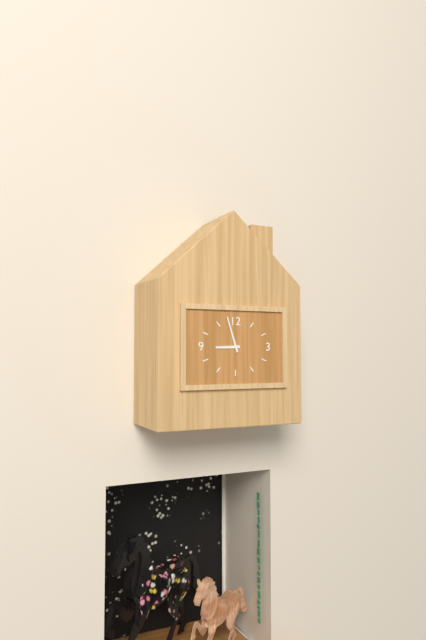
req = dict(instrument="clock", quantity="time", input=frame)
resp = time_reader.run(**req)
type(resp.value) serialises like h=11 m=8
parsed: h=8 m=57
